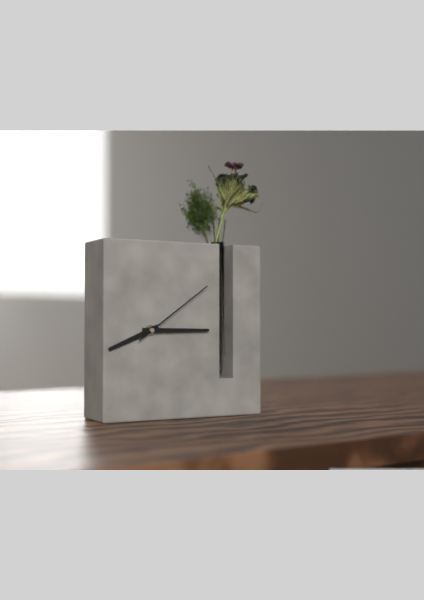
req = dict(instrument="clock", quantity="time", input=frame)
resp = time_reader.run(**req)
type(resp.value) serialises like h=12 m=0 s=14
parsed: h=8 m=15 s=9
